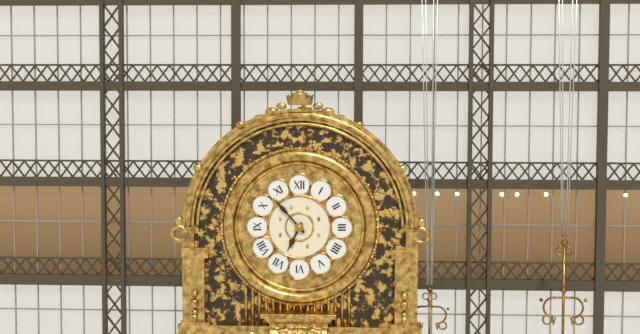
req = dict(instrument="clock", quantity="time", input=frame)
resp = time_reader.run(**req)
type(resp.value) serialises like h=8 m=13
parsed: h=6 m=53
